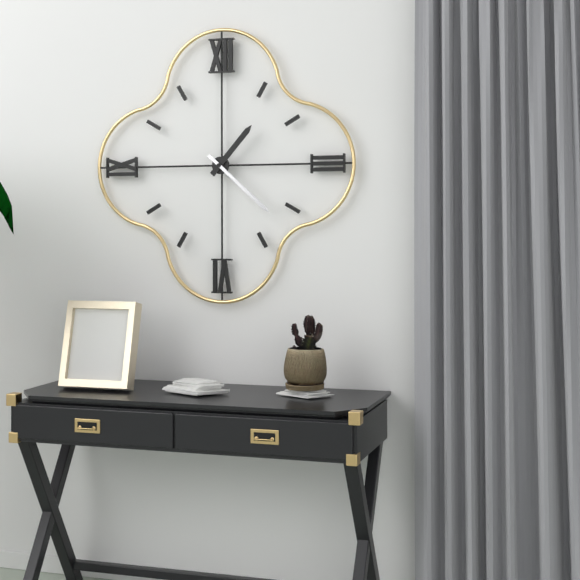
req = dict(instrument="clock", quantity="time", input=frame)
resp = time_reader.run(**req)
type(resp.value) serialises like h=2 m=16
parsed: h=1 m=22
